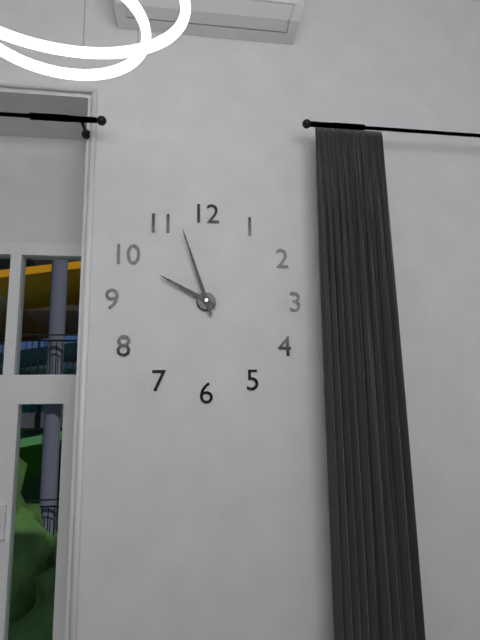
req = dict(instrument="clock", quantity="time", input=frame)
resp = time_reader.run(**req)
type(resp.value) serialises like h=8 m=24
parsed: h=9 m=57
